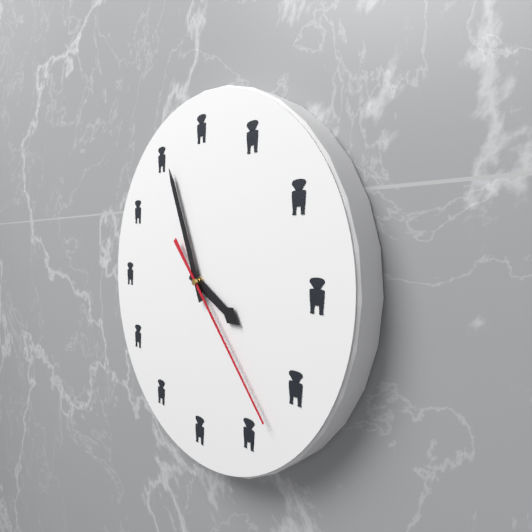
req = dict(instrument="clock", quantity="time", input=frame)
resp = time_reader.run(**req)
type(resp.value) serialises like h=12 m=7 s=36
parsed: h=3 m=56 s=23
